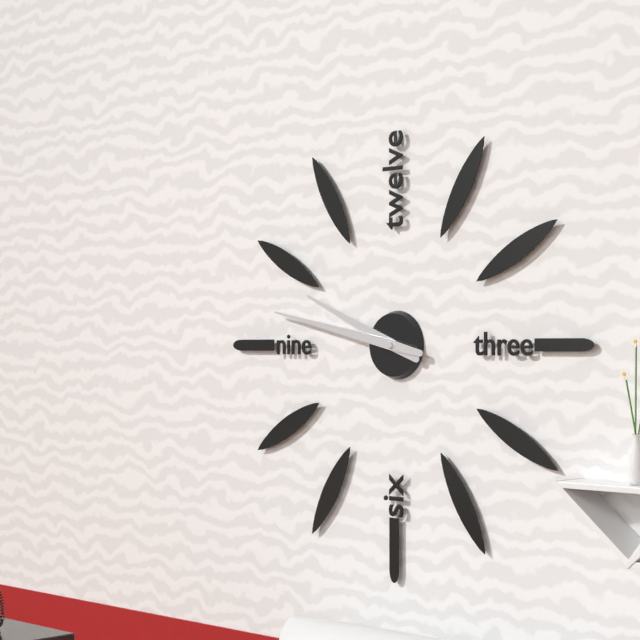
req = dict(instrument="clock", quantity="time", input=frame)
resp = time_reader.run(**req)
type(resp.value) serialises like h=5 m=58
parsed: h=9 m=47
